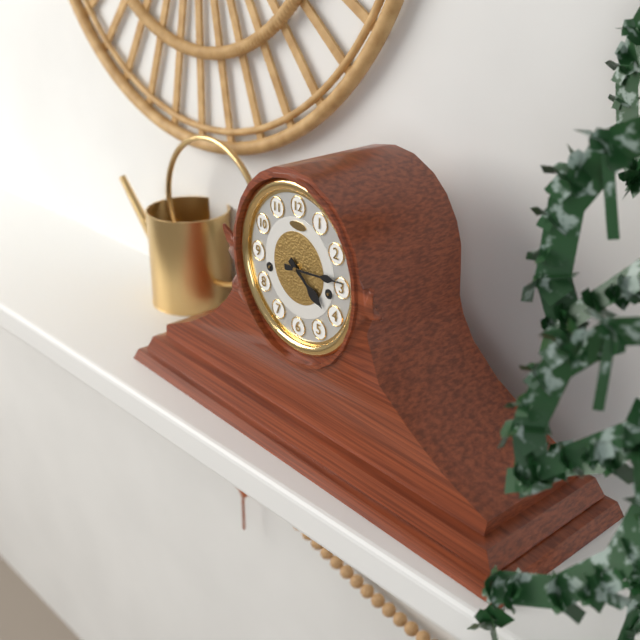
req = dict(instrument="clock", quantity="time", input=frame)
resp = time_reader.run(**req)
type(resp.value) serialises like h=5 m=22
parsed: h=4 m=14
